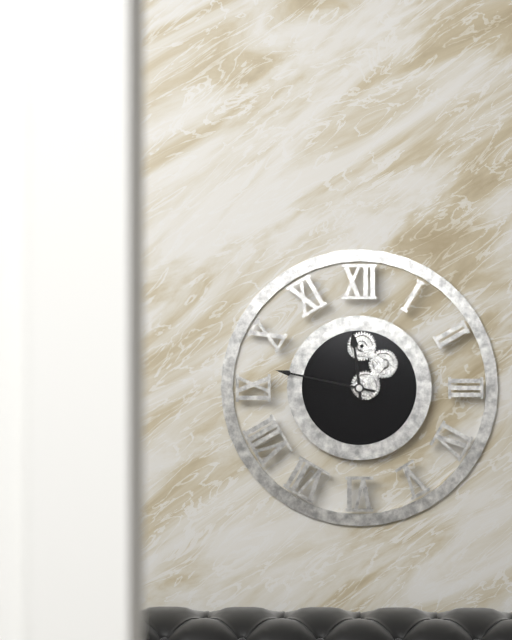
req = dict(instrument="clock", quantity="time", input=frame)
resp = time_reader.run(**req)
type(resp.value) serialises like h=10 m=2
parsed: h=11 m=47
